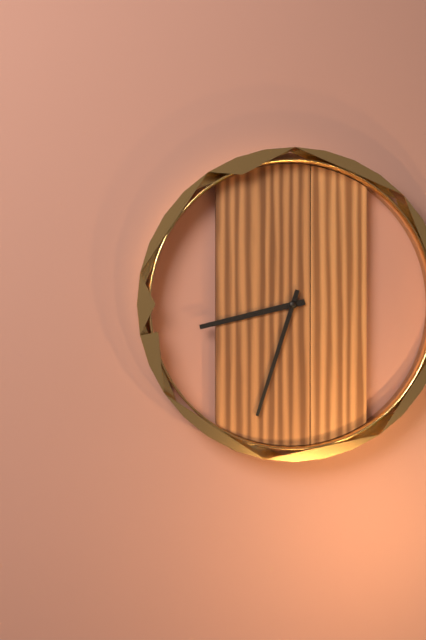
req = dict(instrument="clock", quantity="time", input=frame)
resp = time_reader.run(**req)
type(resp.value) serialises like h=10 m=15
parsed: h=8 m=33
